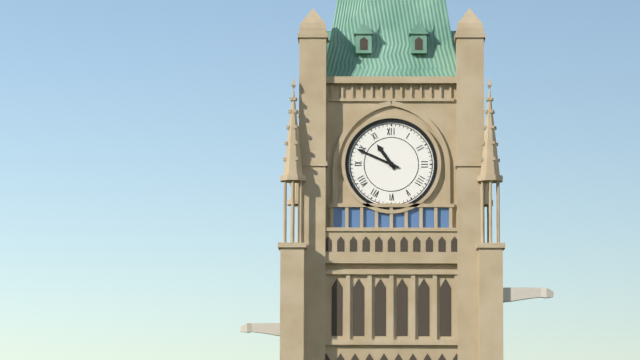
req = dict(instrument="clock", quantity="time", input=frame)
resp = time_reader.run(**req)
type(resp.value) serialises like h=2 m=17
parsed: h=10 m=49
